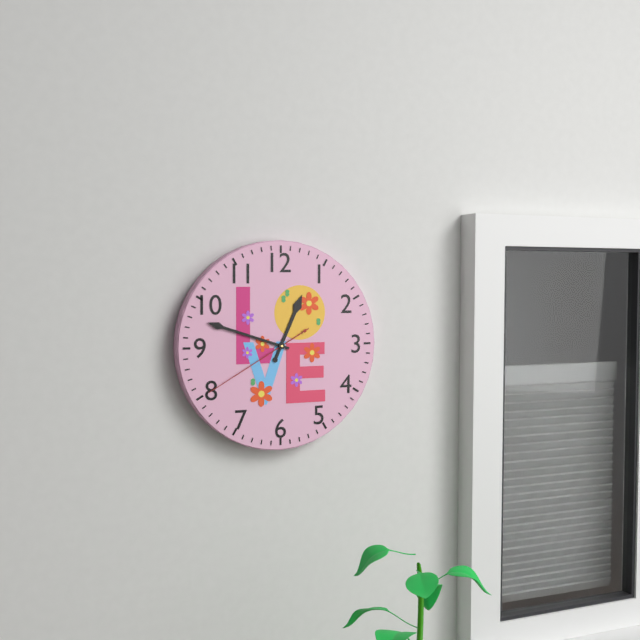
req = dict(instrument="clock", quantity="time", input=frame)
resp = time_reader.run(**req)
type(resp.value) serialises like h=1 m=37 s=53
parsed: h=12 m=48 s=40
